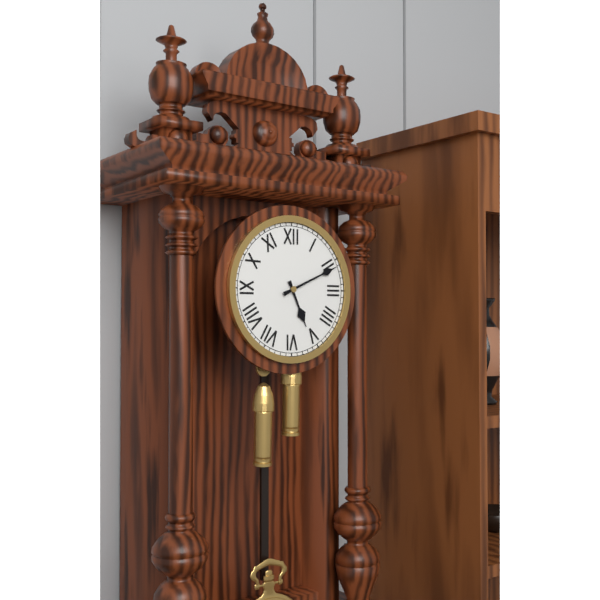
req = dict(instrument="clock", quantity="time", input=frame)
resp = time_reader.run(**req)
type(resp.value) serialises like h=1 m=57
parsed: h=5 m=11
